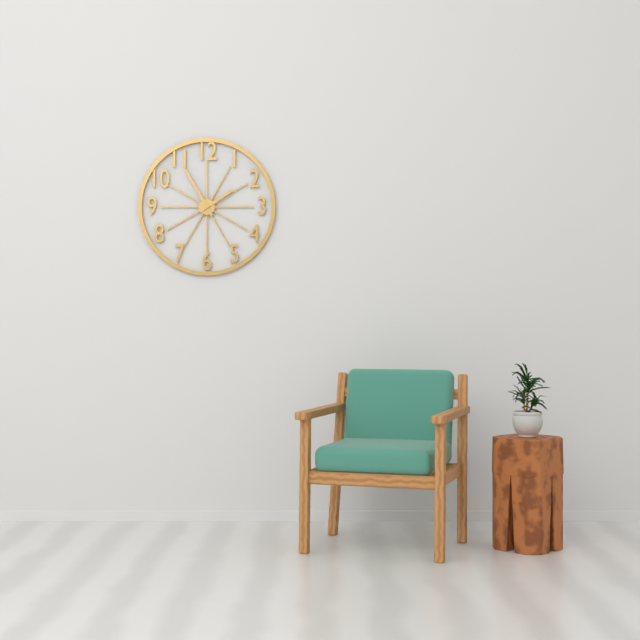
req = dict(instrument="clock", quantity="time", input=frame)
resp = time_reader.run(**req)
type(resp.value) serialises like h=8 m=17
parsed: h=1 m=55
